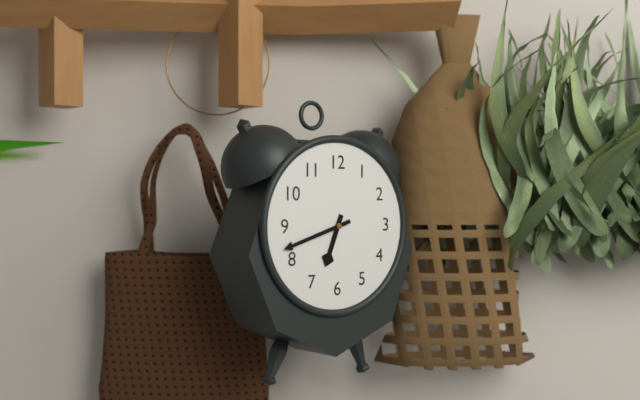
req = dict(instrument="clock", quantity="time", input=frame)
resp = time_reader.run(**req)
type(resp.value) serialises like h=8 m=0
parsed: h=6 m=42
